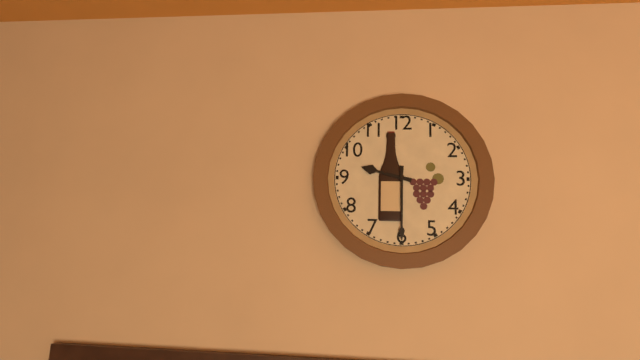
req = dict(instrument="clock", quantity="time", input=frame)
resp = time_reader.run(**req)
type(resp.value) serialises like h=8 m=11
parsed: h=9 m=30
